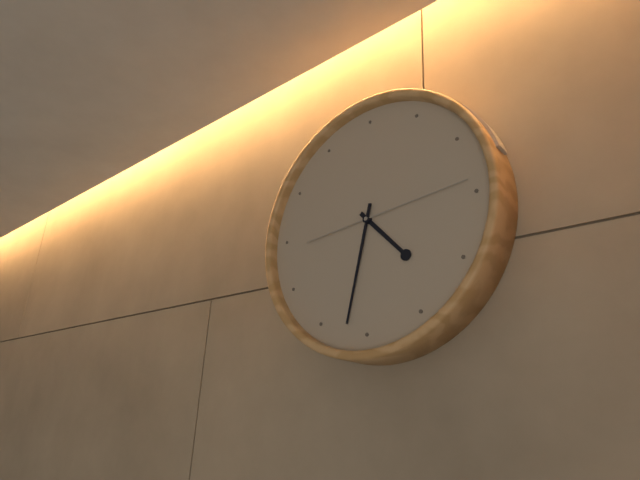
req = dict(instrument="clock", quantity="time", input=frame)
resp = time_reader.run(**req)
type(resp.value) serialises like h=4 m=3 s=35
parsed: h=4 m=32 s=14
